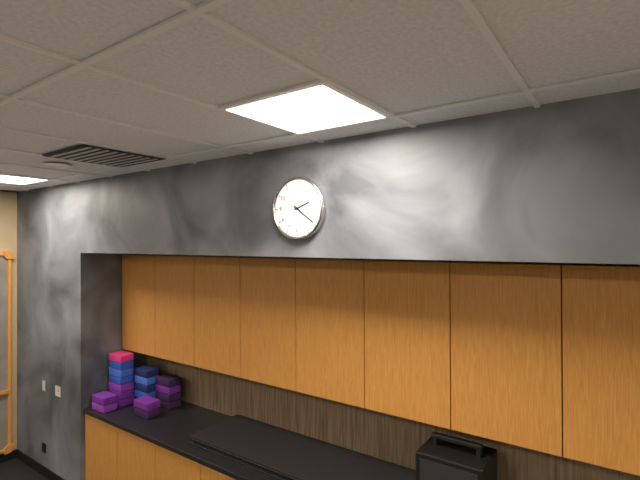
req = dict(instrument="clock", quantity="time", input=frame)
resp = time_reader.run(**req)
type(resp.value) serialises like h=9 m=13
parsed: h=2 m=21
